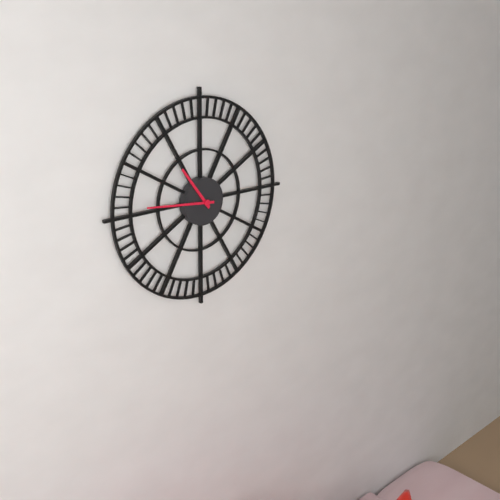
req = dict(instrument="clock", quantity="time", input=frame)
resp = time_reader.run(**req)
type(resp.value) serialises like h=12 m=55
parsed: h=10 m=46
